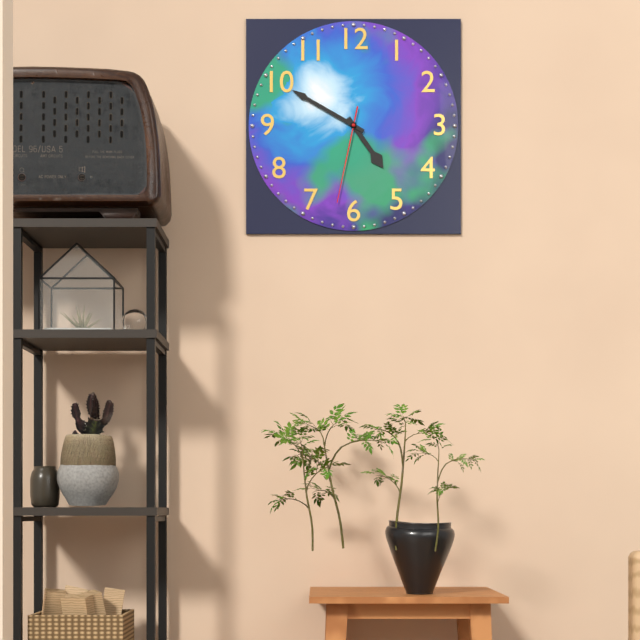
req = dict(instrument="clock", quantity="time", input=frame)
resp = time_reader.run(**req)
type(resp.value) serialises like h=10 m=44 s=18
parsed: h=4 m=50 s=32
